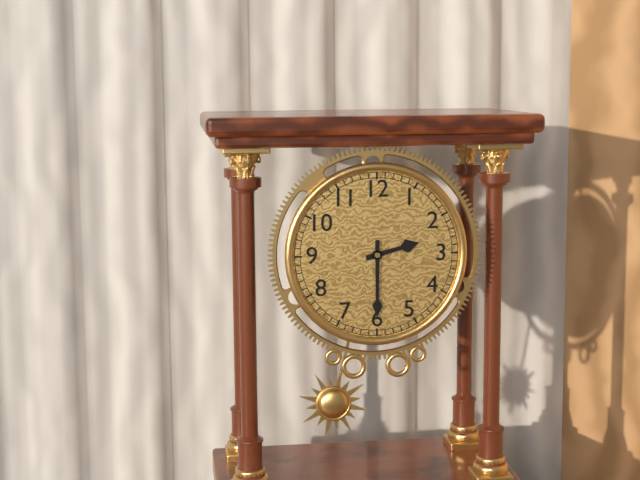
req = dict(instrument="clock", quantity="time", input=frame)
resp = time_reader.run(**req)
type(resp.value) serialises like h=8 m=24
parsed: h=2 m=30
